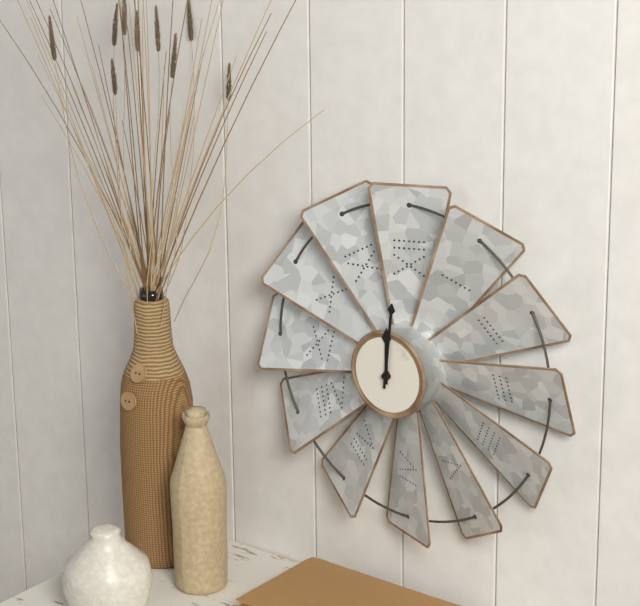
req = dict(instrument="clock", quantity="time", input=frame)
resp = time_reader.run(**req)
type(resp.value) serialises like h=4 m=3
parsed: h=12 m=1
